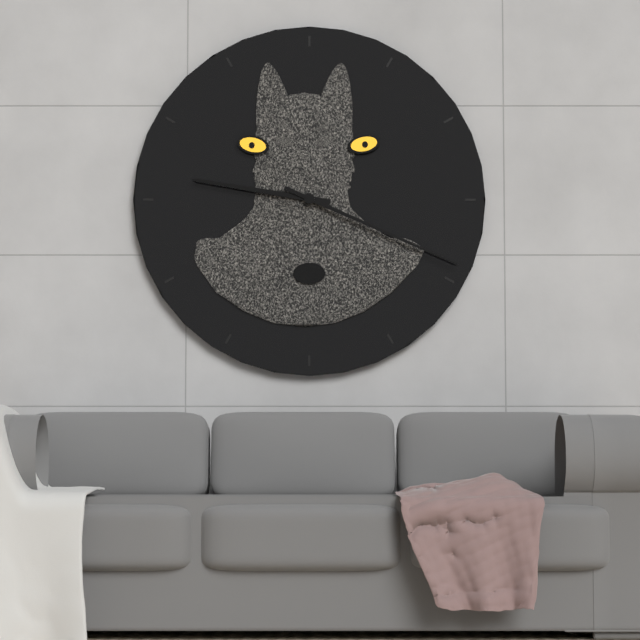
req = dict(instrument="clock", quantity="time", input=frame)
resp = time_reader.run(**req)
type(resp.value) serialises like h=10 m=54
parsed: h=9 m=19
